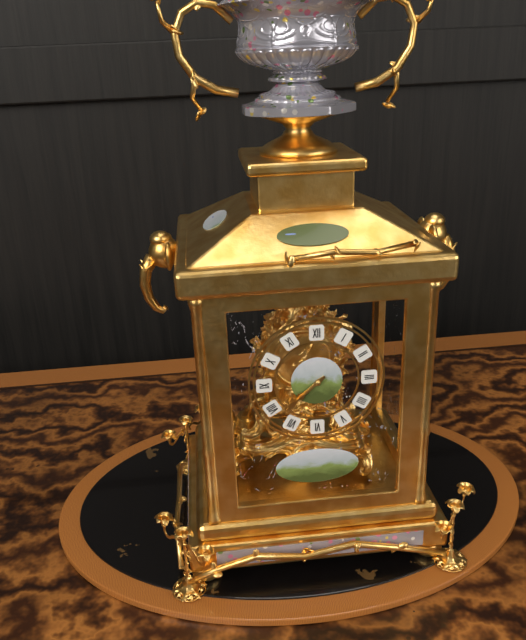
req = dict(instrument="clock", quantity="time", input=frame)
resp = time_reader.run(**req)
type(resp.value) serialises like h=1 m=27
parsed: h=7 m=38
